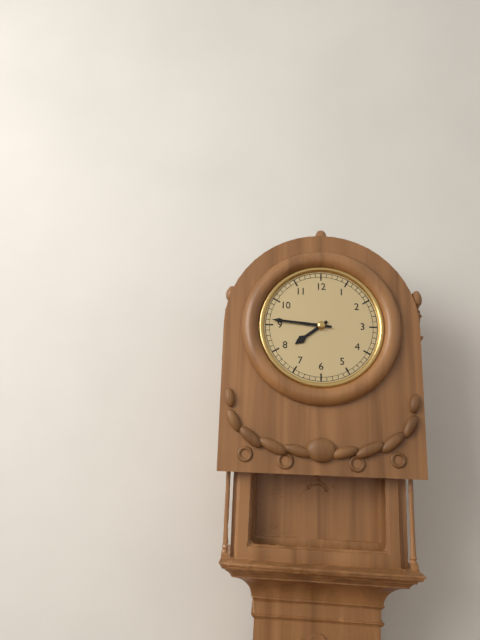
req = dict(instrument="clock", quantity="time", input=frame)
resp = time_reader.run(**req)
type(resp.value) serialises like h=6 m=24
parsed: h=7 m=46
